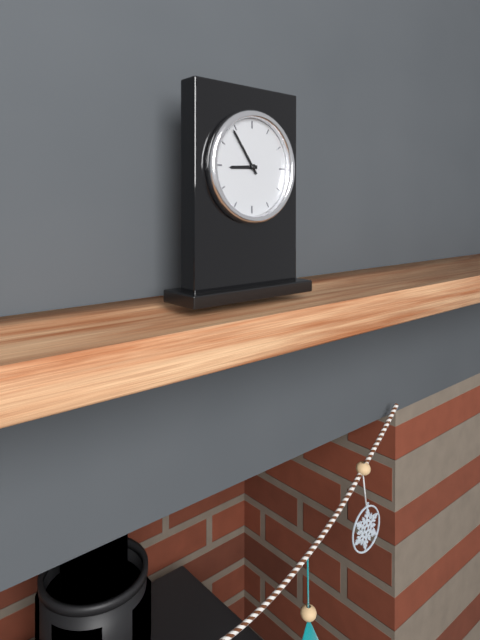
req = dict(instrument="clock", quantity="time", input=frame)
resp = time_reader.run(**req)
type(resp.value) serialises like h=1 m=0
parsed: h=8 m=54
